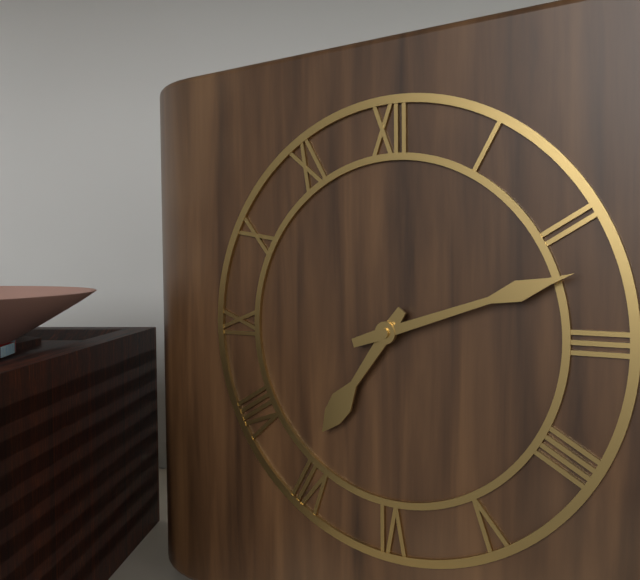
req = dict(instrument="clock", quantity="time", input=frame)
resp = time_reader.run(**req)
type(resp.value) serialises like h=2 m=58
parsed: h=7 m=12
